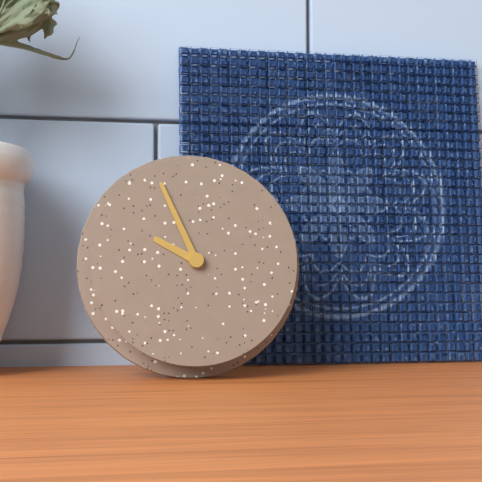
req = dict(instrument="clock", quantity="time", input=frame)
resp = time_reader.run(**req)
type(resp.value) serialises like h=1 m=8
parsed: h=9 m=56
